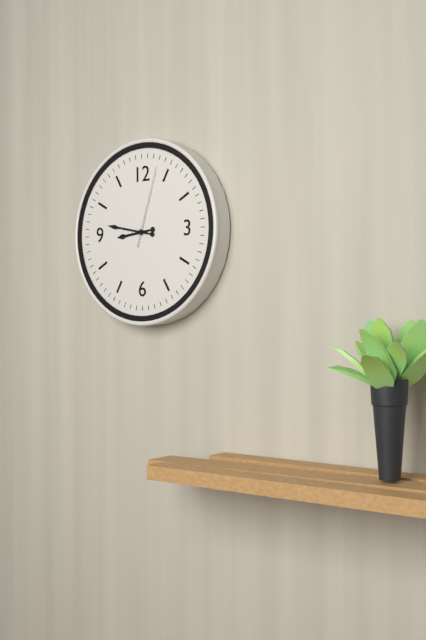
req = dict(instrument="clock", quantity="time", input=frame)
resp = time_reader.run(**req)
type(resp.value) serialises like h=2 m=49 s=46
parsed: h=8 m=47 s=3
